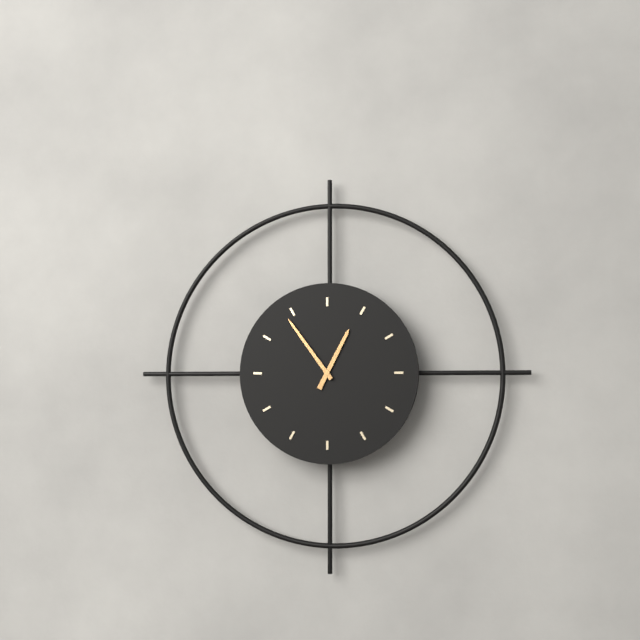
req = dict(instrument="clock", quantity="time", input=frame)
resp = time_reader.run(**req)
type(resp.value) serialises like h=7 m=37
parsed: h=12 m=54
